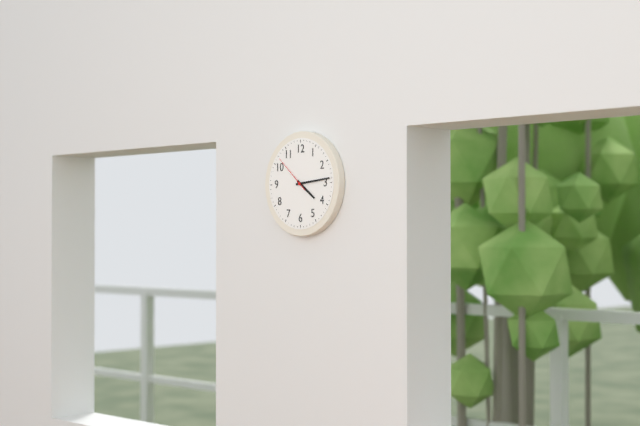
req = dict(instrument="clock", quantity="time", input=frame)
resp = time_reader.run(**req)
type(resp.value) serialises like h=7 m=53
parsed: h=4 m=14
